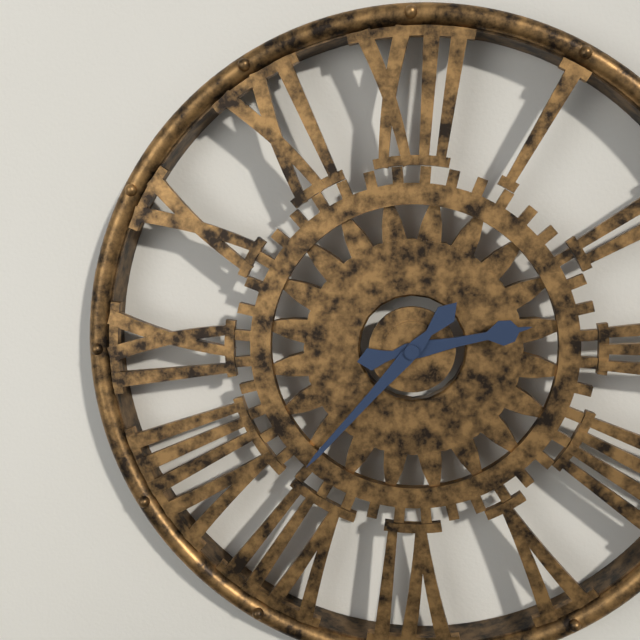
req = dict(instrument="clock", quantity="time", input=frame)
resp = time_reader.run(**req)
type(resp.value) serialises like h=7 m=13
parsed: h=2 m=37
